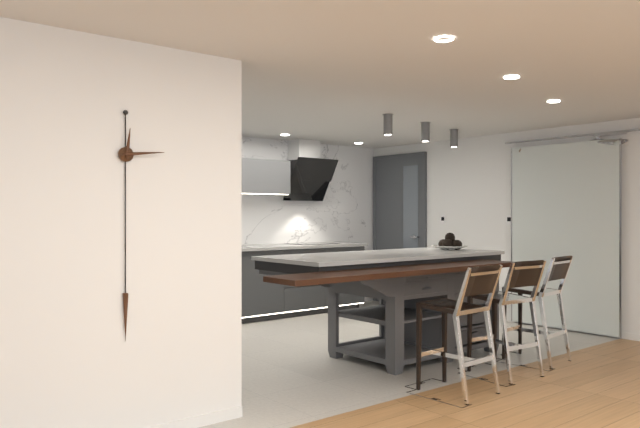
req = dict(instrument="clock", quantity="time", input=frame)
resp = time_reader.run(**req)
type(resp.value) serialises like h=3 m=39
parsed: h=12 m=14
